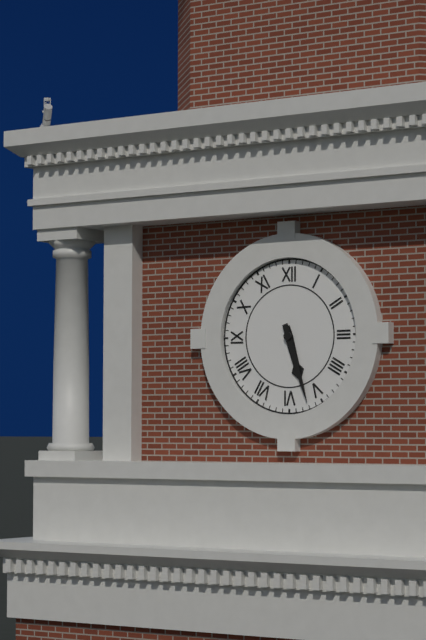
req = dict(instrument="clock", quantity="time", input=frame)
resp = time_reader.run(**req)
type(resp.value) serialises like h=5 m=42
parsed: h=5 m=27
